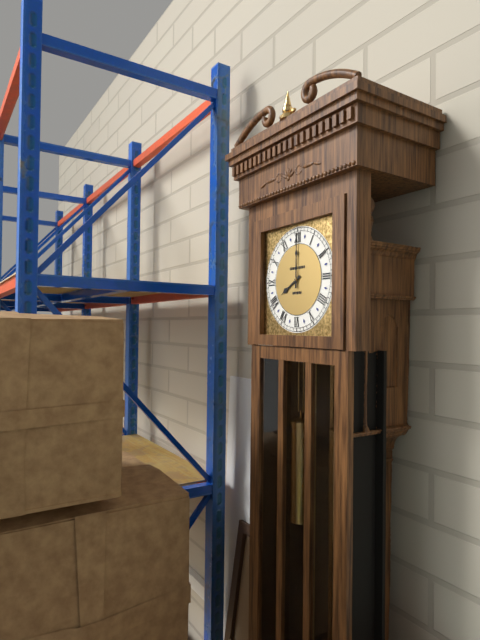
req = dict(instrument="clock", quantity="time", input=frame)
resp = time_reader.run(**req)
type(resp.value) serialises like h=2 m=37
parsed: h=8 m=0
